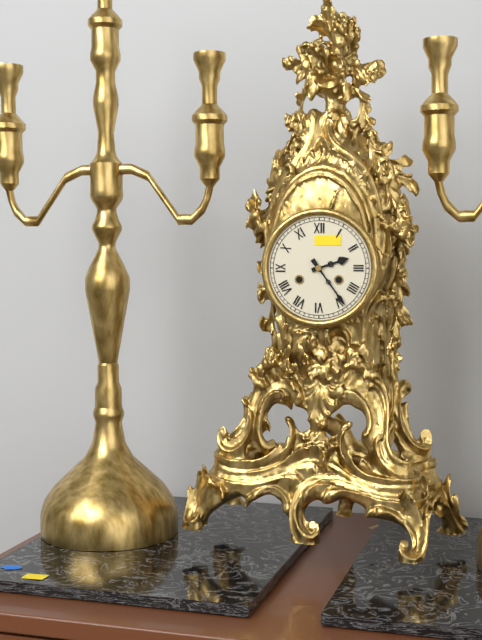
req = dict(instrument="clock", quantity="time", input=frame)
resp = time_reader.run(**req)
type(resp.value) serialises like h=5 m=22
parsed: h=2 m=24
